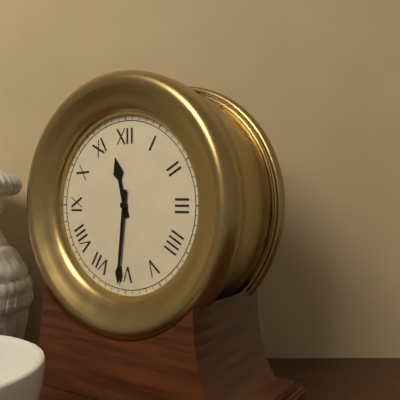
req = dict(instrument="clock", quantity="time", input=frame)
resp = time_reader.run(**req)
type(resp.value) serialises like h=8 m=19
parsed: h=11 m=31
